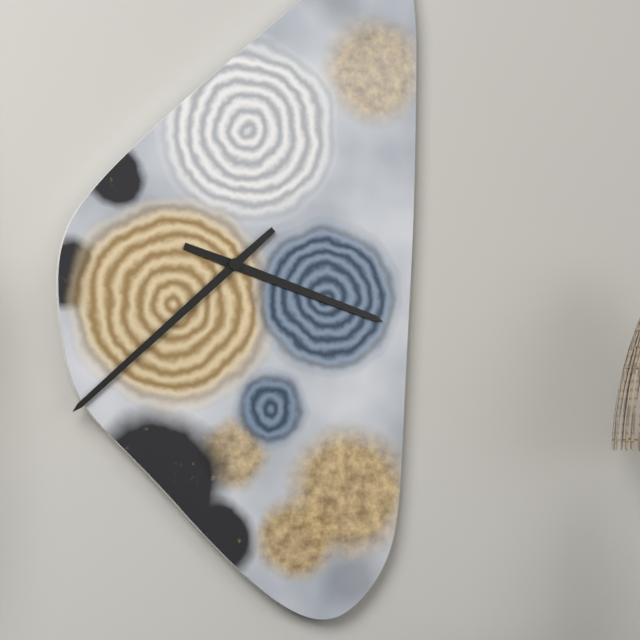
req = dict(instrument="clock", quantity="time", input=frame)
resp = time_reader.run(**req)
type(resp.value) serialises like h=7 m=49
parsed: h=3 m=38
